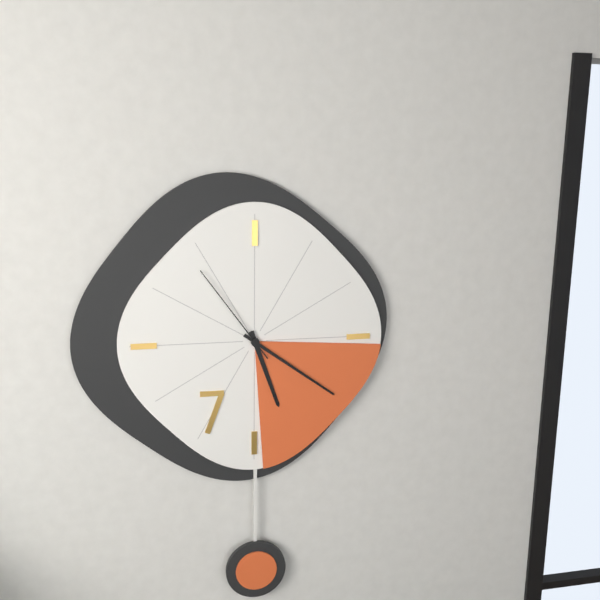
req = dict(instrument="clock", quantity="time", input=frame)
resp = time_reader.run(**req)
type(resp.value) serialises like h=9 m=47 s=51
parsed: h=5 m=21 s=54
